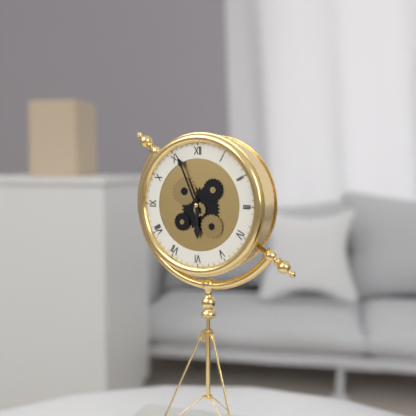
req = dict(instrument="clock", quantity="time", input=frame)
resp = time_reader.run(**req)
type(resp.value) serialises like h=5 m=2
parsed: h=5 m=56
